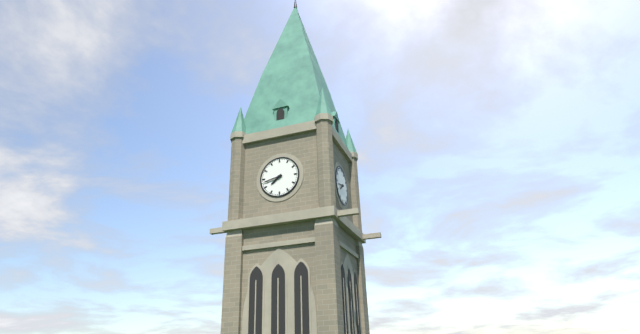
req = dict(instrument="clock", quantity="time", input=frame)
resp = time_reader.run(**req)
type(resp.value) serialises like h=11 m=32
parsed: h=7 m=43
